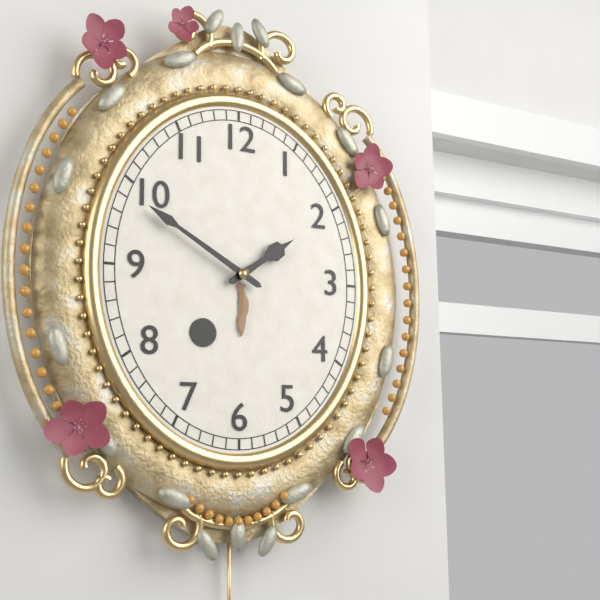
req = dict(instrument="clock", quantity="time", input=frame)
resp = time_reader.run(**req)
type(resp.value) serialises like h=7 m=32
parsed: h=1 m=50
